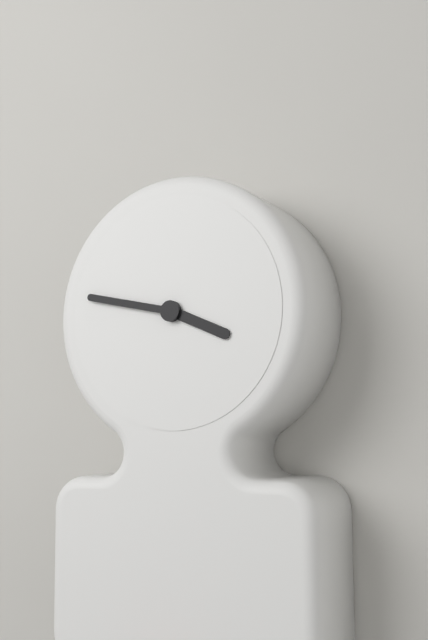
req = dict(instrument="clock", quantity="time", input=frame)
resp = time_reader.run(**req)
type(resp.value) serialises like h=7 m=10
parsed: h=3 m=47
